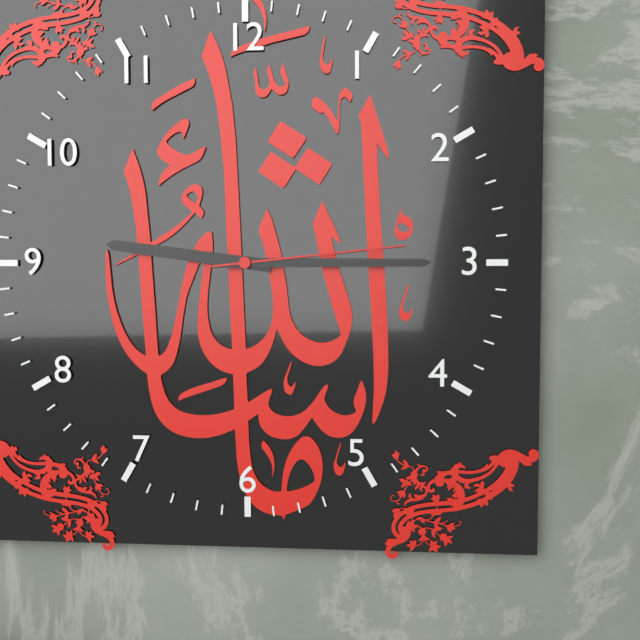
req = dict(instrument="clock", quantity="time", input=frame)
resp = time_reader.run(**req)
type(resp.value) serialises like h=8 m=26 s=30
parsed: h=9 m=15 s=14
